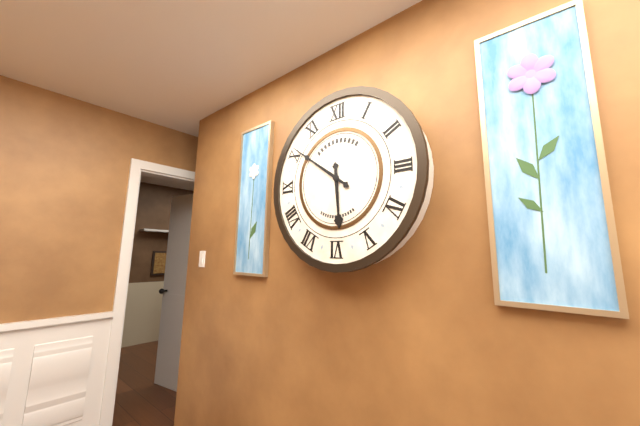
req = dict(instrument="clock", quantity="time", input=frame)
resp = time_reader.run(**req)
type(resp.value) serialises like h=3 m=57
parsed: h=5 m=51
